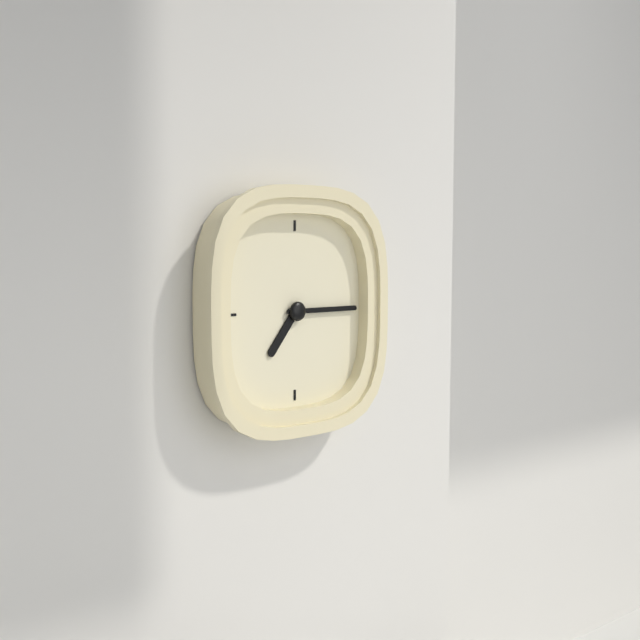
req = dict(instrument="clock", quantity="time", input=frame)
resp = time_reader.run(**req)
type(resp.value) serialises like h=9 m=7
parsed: h=7 m=15
